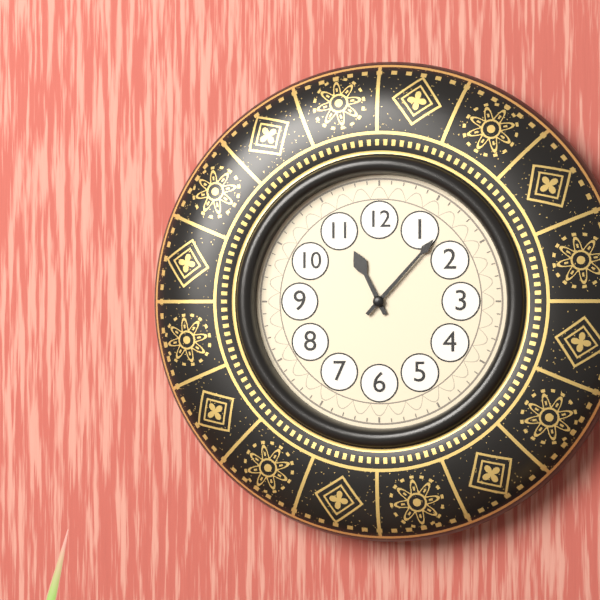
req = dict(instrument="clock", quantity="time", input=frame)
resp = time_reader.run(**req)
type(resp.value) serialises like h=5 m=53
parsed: h=11 m=7
